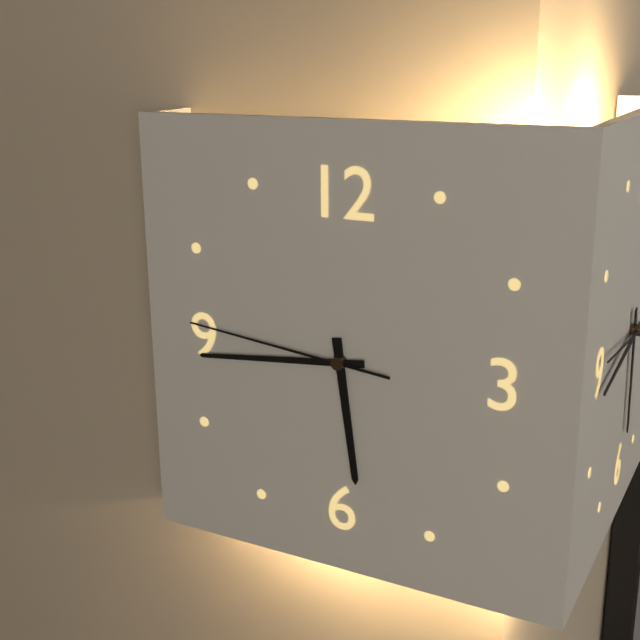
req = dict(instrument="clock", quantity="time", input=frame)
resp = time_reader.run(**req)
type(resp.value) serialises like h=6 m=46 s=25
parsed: h=5 m=44 s=46
